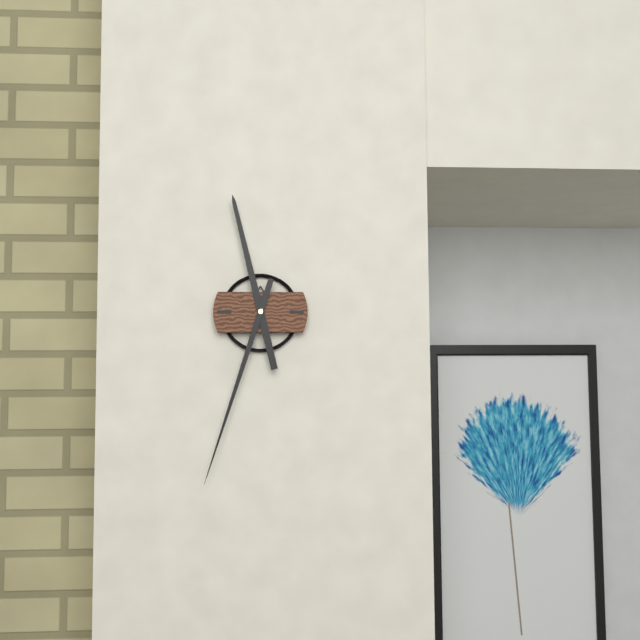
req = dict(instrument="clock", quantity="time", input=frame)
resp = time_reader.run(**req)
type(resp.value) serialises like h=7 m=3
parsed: h=11 m=33
